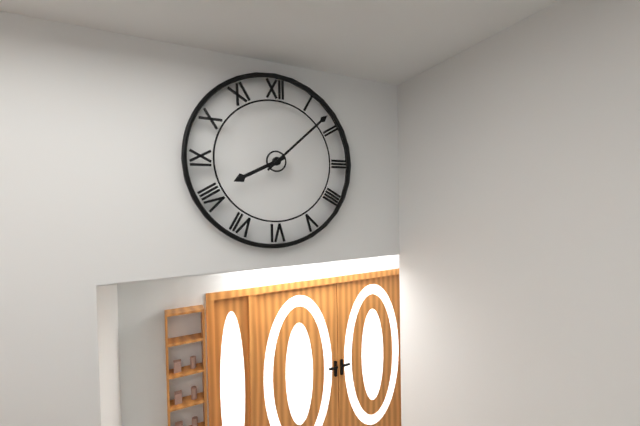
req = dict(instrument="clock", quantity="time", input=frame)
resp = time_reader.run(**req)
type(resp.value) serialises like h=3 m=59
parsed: h=8 m=8
